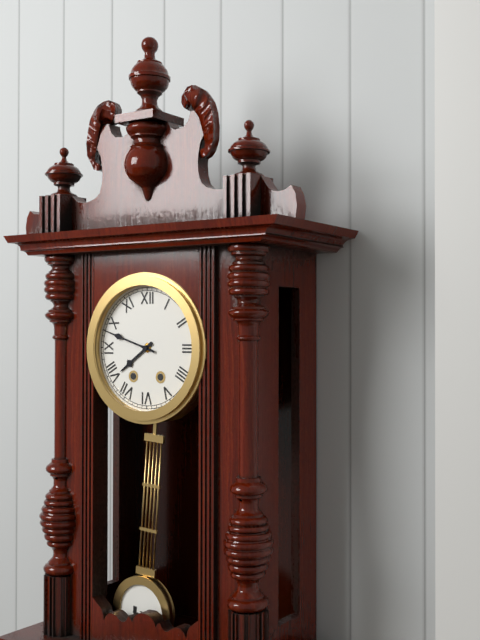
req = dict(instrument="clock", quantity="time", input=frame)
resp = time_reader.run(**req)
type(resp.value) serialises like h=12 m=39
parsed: h=7 m=48
